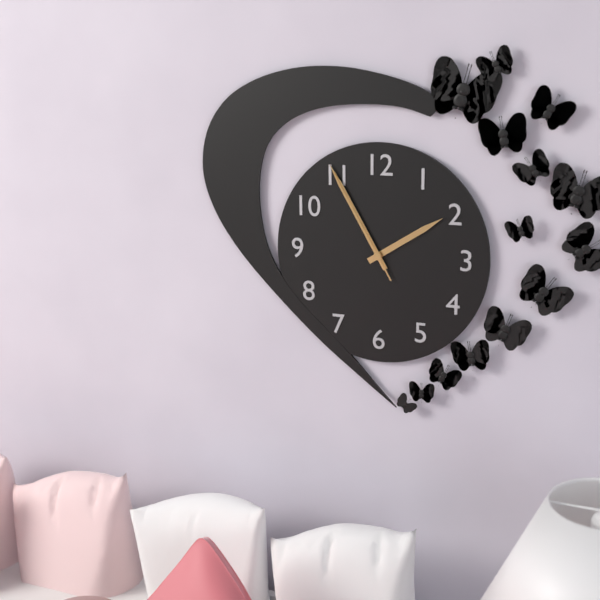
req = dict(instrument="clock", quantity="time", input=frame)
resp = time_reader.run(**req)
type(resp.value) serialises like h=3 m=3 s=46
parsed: h=1 m=55 s=55
